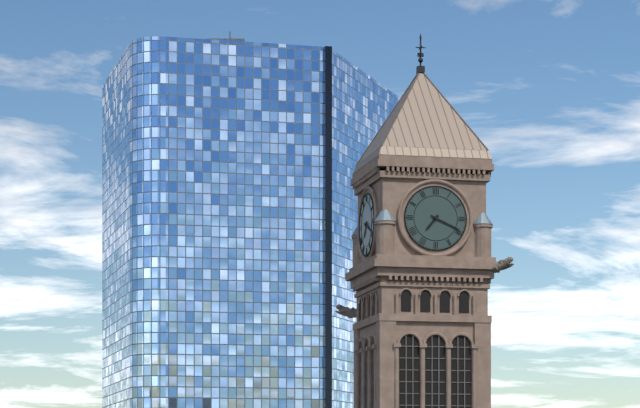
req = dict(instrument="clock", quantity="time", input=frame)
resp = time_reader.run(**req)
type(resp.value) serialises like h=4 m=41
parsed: h=7 m=19
